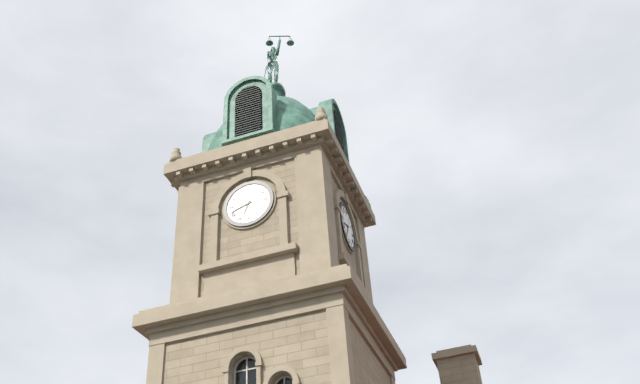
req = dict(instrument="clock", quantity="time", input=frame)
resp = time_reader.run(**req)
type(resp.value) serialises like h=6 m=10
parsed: h=6 m=42
